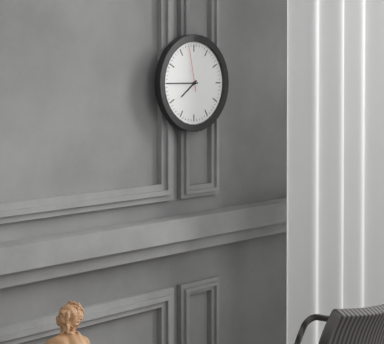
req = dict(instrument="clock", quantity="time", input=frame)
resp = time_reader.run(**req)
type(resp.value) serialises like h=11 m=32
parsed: h=7 m=45
